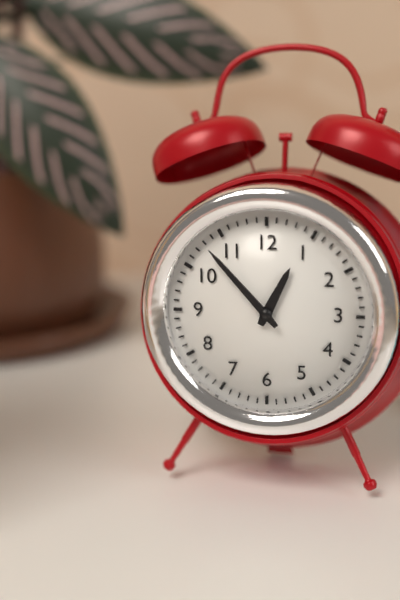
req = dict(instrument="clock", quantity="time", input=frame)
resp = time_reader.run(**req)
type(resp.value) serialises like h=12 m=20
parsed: h=12 m=53
